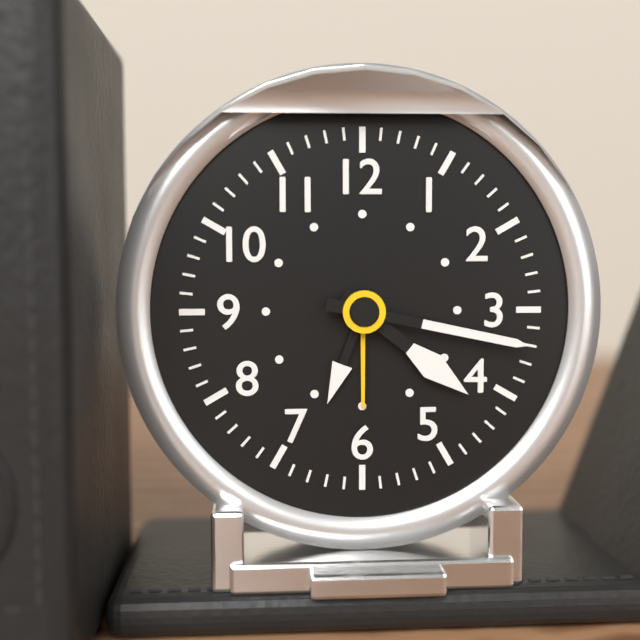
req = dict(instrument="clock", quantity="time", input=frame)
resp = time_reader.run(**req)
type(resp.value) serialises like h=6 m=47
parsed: h=4 m=17
